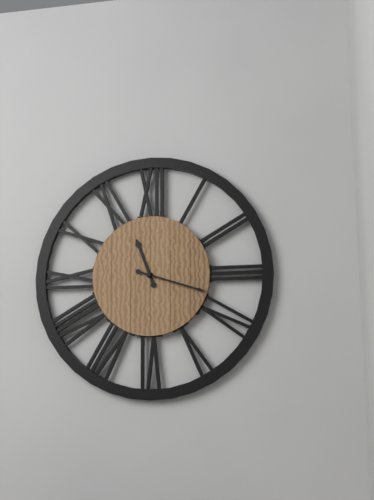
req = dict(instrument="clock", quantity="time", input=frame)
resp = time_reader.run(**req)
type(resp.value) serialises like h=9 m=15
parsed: h=11 m=18
